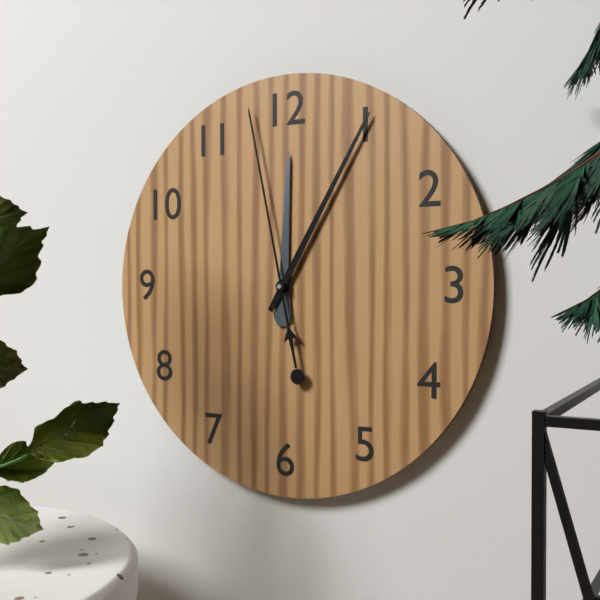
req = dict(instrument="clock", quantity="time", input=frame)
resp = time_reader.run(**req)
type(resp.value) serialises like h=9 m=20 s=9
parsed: h=12 m=5 s=58
